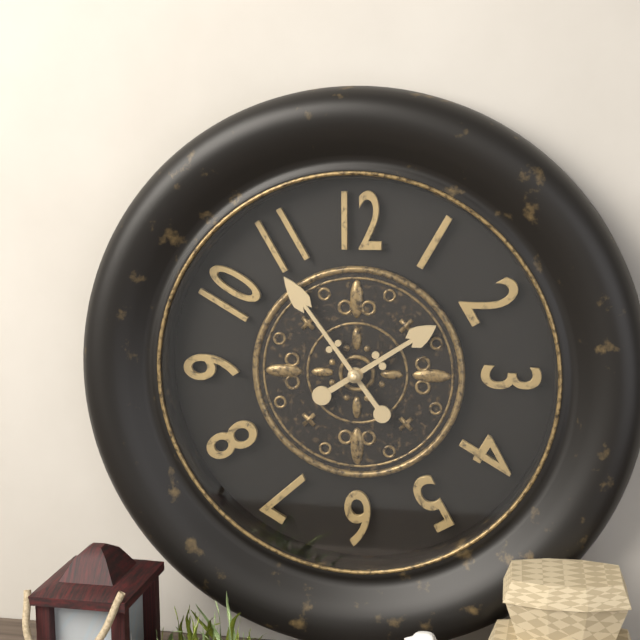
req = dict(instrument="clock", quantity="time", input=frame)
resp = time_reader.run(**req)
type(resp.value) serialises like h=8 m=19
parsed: h=1 m=54
